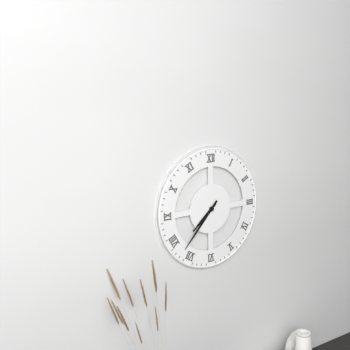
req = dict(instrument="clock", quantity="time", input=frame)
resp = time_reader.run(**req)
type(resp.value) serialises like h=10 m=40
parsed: h=7 m=37
